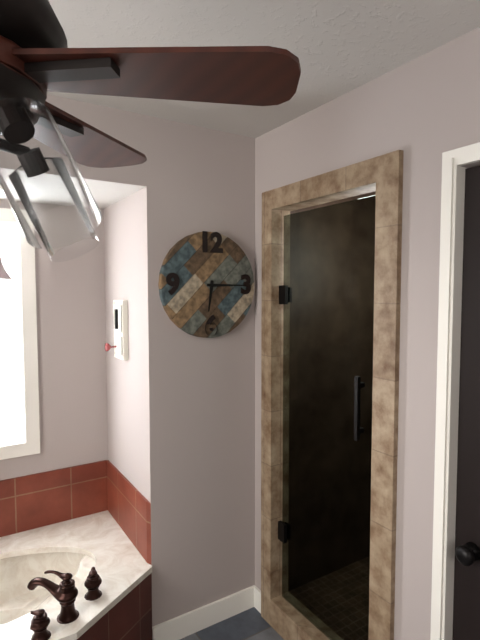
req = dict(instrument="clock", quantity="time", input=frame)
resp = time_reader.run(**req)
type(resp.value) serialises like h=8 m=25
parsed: h=6 m=15
